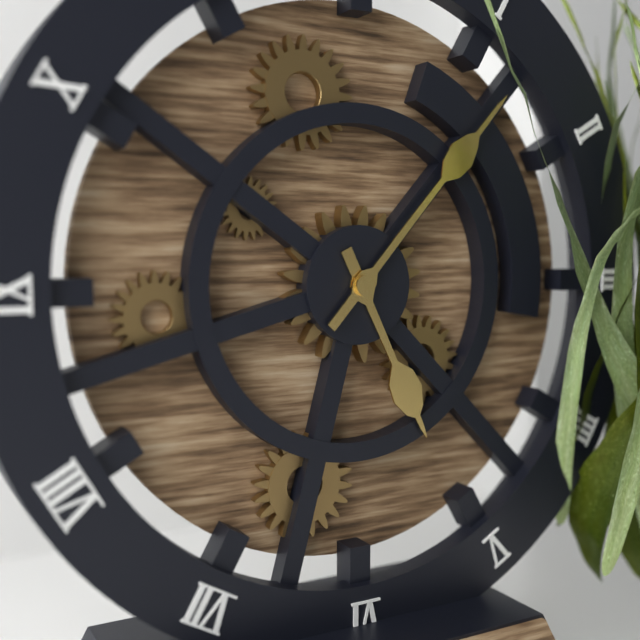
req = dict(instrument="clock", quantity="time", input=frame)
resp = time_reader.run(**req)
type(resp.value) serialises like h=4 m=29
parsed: h=5 m=7
